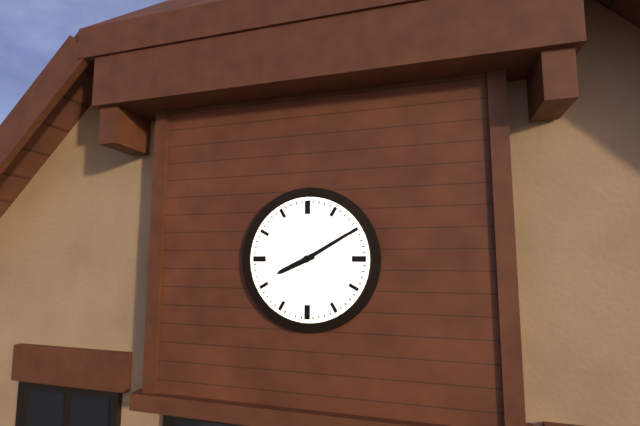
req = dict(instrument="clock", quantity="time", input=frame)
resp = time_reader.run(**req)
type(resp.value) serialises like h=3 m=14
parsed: h=8 m=10
